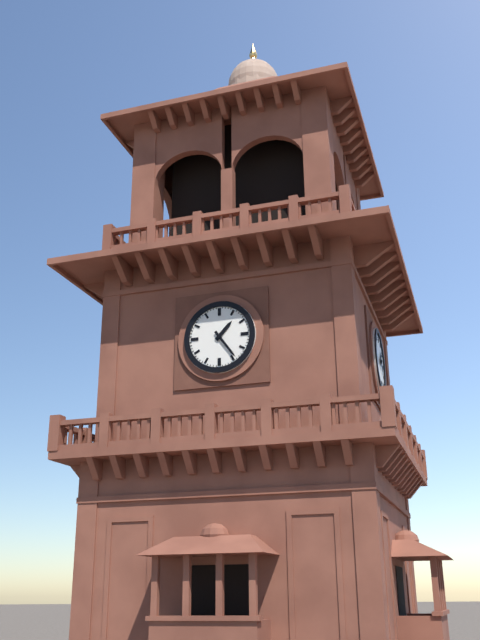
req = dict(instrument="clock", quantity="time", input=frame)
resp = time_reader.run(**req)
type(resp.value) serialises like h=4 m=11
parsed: h=1 m=24
